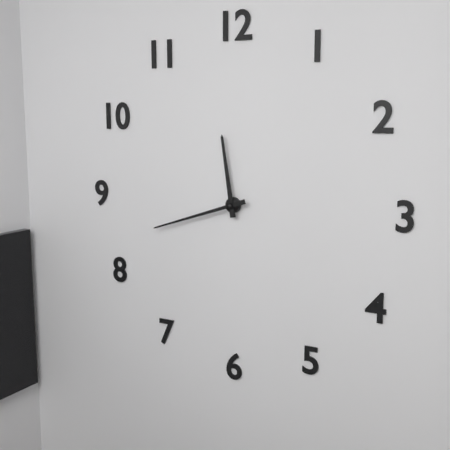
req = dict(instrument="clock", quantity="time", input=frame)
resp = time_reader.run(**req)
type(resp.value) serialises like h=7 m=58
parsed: h=11 m=42
